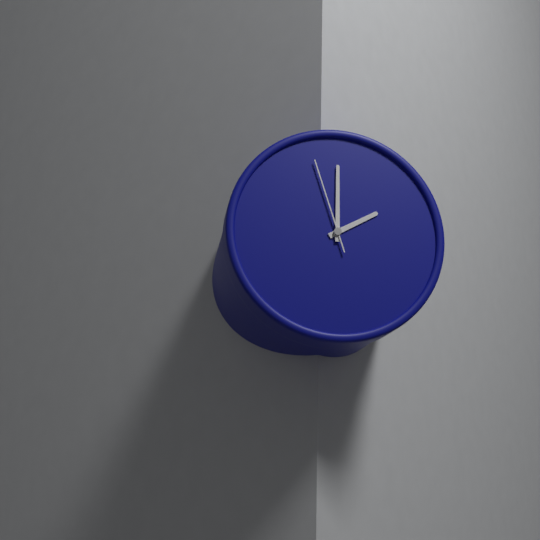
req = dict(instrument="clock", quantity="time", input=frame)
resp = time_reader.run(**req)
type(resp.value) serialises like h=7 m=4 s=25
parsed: h=2 m=0 s=57
